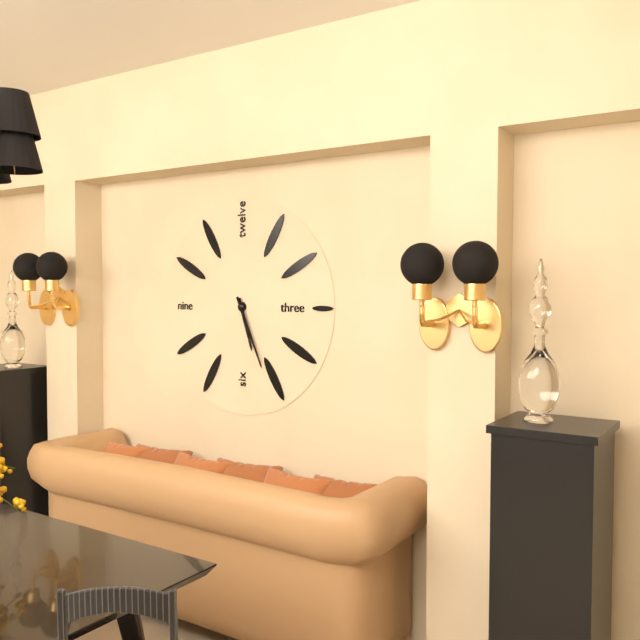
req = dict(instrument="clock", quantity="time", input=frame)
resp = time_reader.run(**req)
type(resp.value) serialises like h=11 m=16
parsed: h=5 m=26
